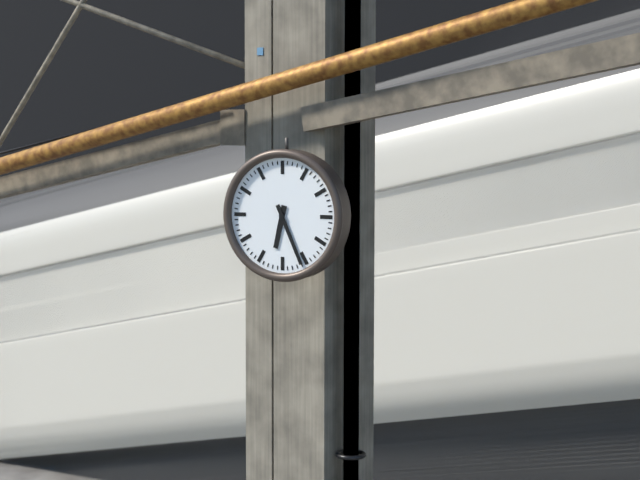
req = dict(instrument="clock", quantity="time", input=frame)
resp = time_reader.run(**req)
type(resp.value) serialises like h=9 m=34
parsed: h=6 m=26
